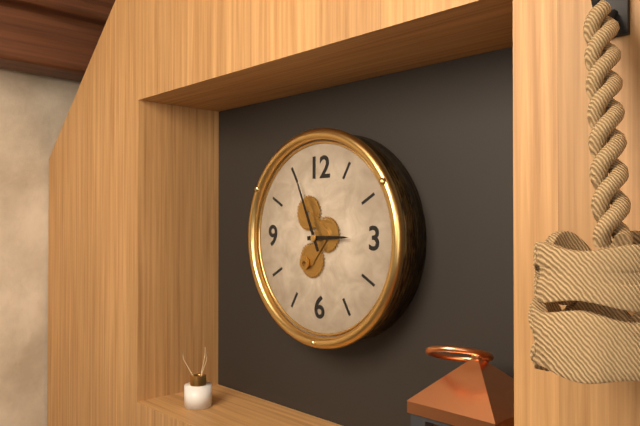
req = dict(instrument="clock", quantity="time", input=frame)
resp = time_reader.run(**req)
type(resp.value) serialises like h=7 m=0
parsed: h=2 m=56
